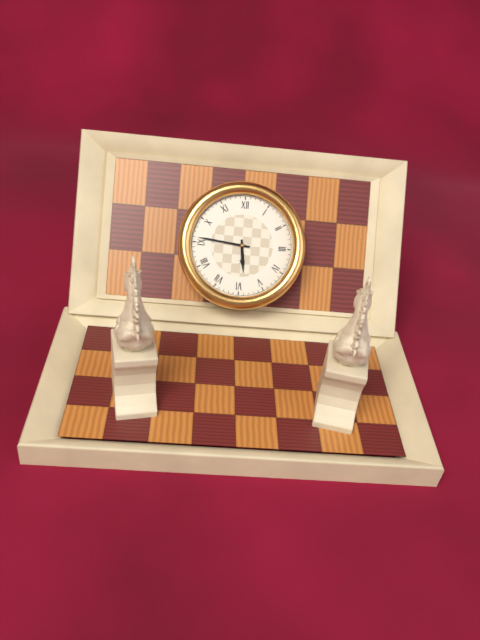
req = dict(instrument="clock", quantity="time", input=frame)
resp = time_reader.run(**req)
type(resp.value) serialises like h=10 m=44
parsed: h=5 m=46
